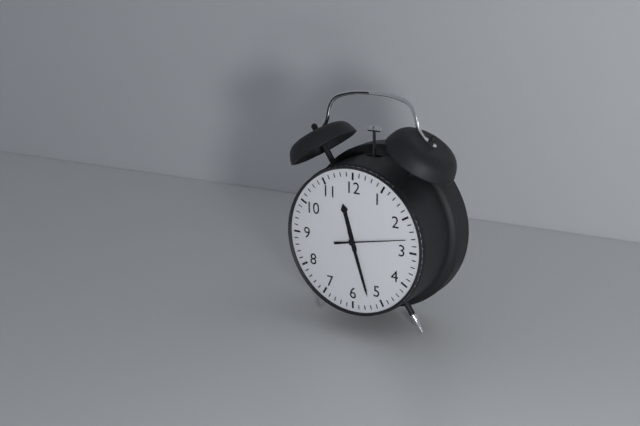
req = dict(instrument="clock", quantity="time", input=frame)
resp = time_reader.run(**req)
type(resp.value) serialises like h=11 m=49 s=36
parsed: h=11 m=27 s=13
